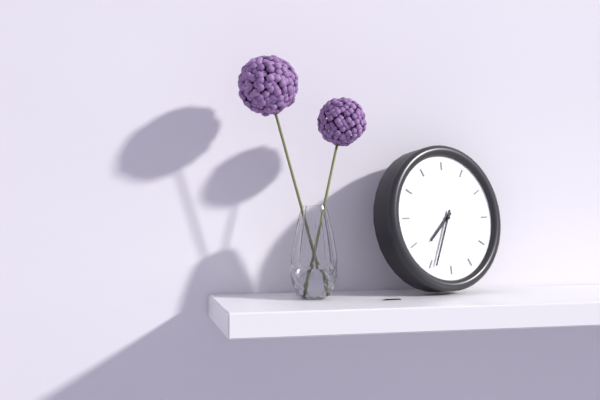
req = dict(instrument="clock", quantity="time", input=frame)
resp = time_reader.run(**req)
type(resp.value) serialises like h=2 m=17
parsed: h=7 m=34
